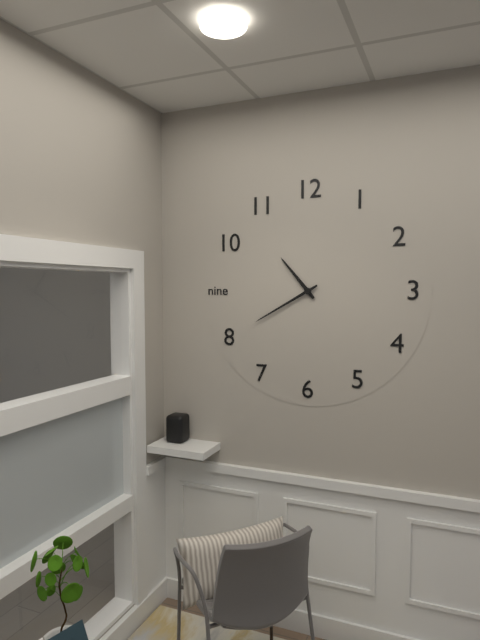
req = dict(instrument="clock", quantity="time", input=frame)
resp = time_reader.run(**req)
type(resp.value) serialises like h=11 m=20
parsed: h=10 m=40
